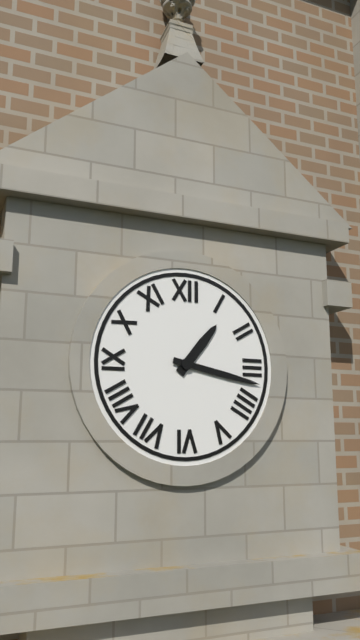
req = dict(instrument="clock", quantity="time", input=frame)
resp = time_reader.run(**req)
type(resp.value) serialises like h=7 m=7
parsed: h=1 m=17
